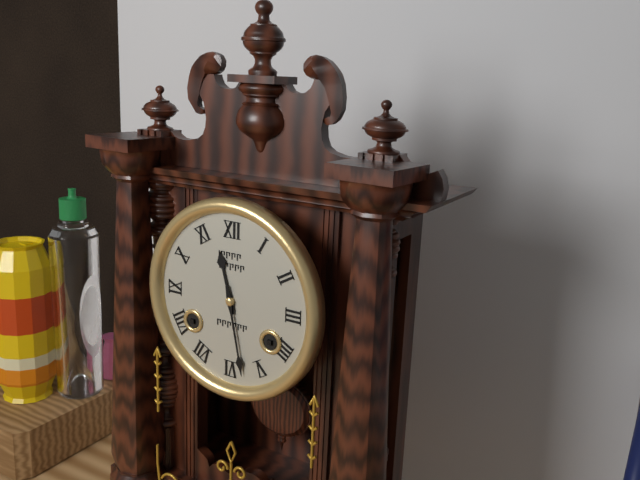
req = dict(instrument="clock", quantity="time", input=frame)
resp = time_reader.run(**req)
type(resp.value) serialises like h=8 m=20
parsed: h=11 m=28
